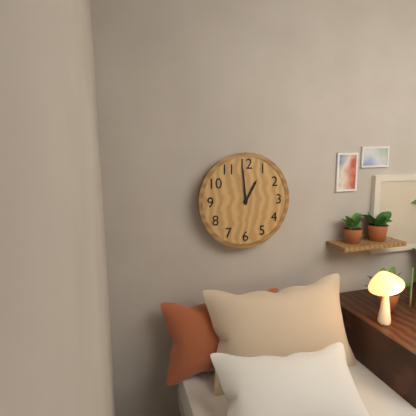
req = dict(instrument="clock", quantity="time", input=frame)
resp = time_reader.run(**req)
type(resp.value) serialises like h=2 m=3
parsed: h=12 m=59
